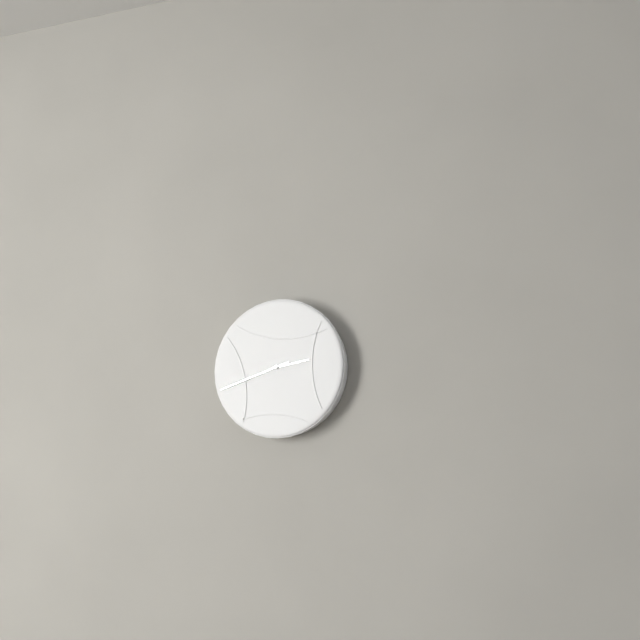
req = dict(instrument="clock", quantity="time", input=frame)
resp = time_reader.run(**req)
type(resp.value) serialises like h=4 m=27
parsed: h=2 m=42
